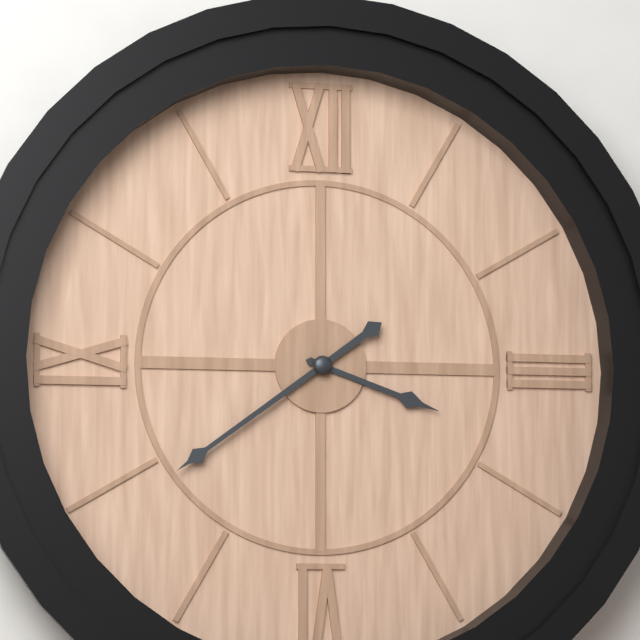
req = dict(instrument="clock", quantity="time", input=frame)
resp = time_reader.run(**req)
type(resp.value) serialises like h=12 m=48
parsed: h=3 m=39
